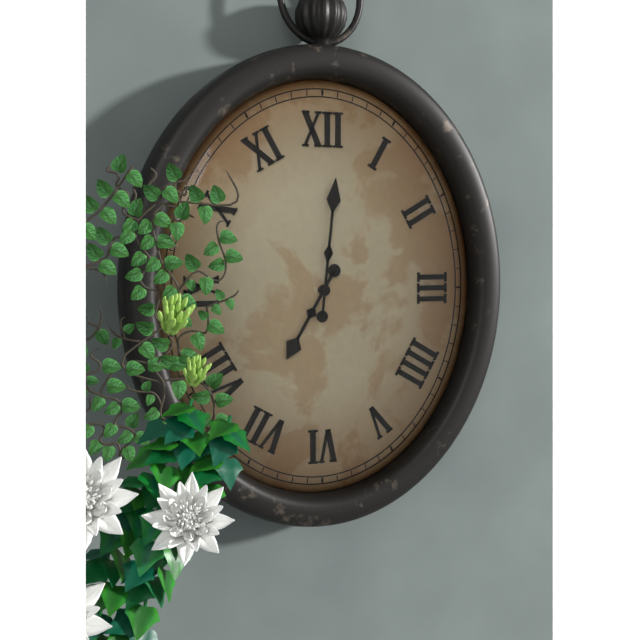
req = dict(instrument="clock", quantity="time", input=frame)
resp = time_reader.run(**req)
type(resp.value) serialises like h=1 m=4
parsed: h=7 m=1
